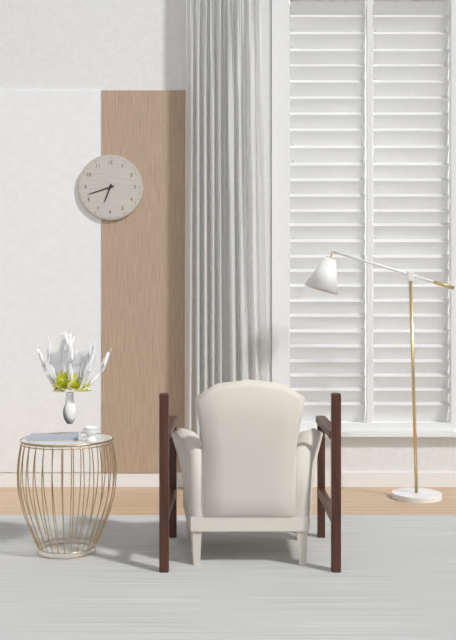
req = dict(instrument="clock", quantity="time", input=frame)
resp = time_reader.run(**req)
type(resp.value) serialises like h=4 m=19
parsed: h=6 m=42
